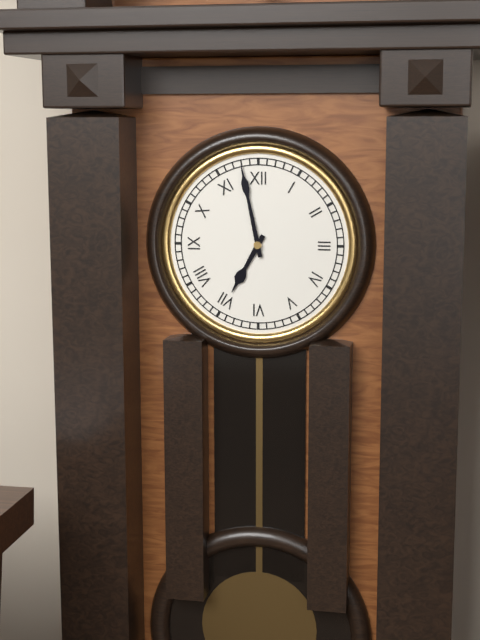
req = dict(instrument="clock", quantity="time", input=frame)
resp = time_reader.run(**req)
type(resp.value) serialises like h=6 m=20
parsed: h=6 m=58
